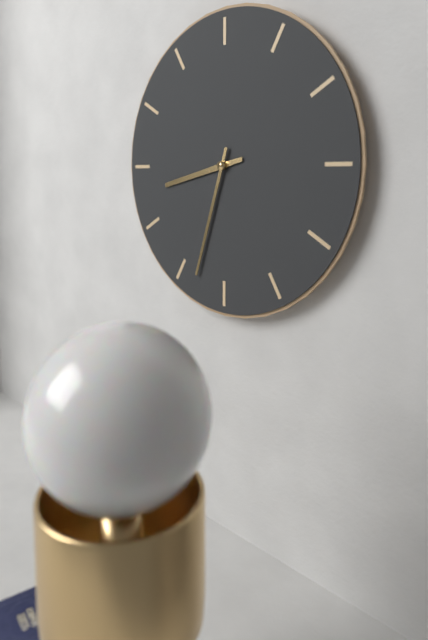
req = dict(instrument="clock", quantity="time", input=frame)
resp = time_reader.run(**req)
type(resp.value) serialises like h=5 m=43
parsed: h=8 m=33
